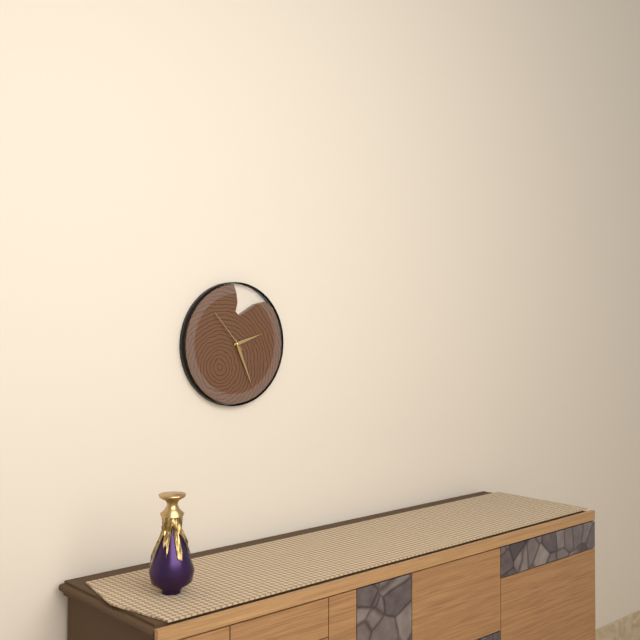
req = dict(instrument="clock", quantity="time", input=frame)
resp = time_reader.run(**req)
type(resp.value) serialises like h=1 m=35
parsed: h=2 m=26
